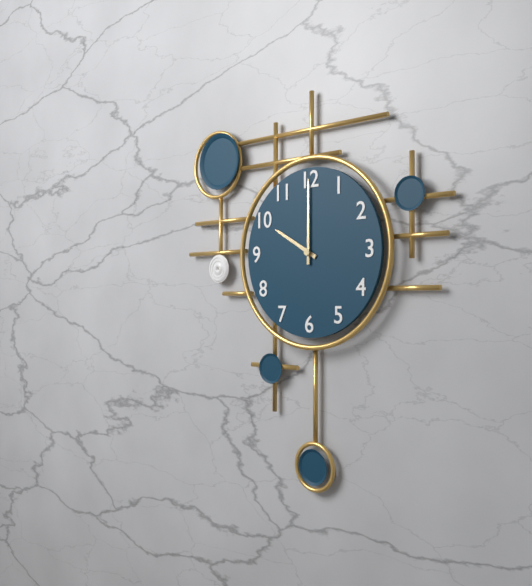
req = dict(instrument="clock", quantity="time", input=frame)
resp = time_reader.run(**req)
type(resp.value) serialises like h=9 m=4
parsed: h=10 m=0
